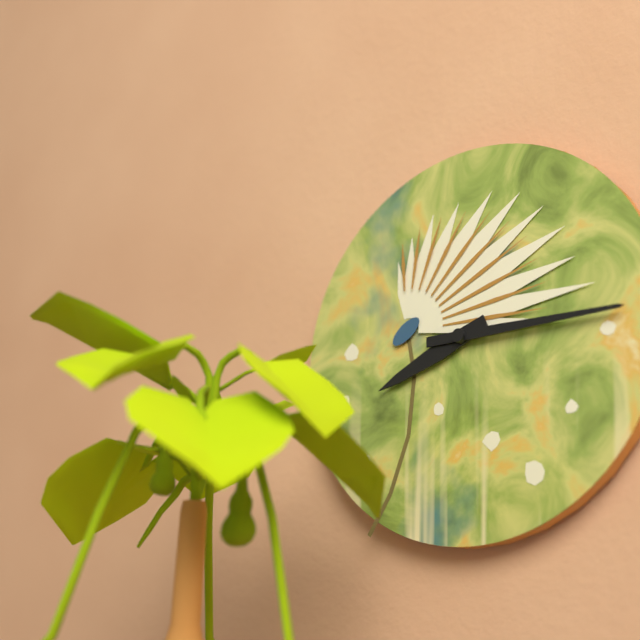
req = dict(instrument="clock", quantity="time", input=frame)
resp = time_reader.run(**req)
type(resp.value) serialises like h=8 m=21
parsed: h=8 m=15
